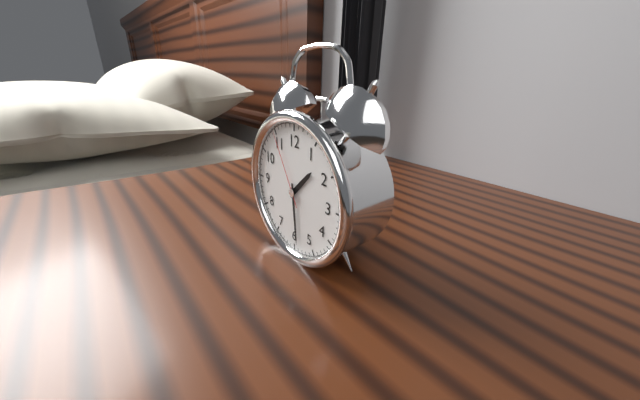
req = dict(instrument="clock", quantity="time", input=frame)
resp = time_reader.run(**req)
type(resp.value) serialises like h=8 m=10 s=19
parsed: h=1 m=29 s=55
